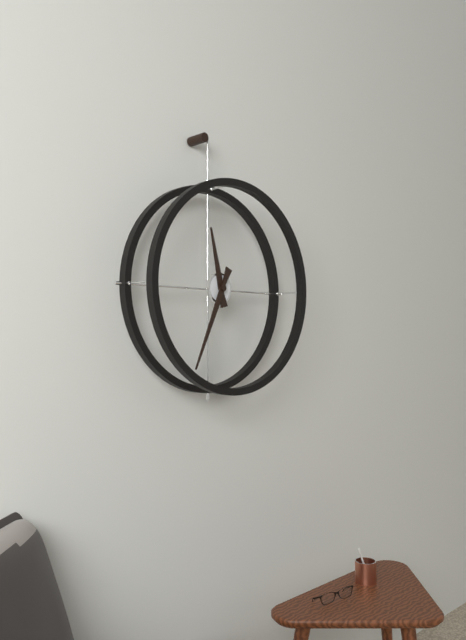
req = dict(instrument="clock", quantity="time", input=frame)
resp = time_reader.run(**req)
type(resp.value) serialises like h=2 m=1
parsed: h=11 m=34
